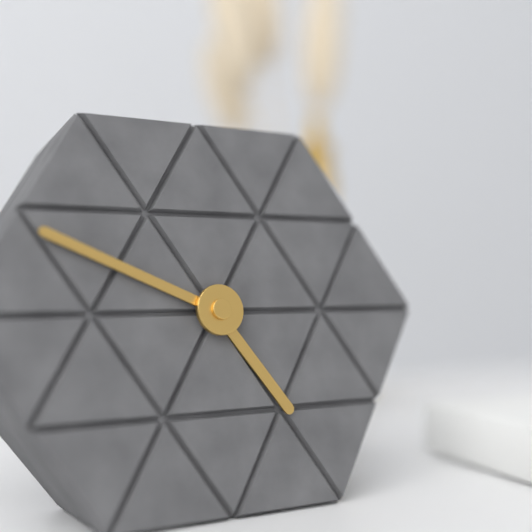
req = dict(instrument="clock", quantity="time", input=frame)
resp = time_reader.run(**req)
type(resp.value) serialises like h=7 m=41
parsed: h=4 m=49
